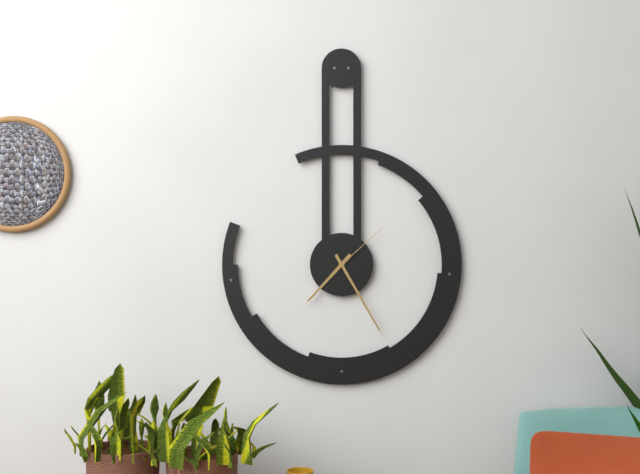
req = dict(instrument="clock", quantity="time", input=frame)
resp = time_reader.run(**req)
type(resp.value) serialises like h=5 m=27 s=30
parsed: h=7 m=25 s=8
